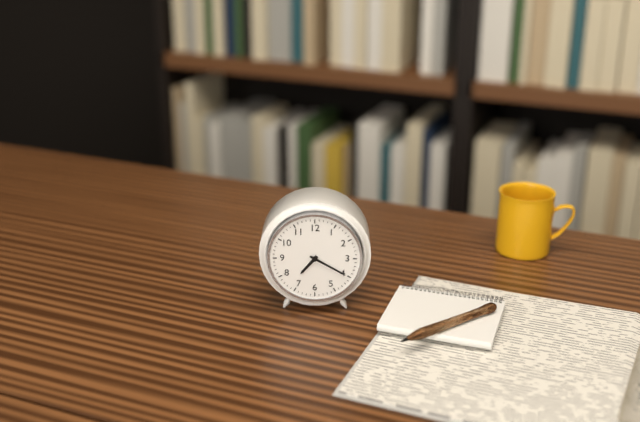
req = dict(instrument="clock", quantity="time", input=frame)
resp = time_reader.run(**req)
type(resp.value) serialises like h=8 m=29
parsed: h=7 m=20
